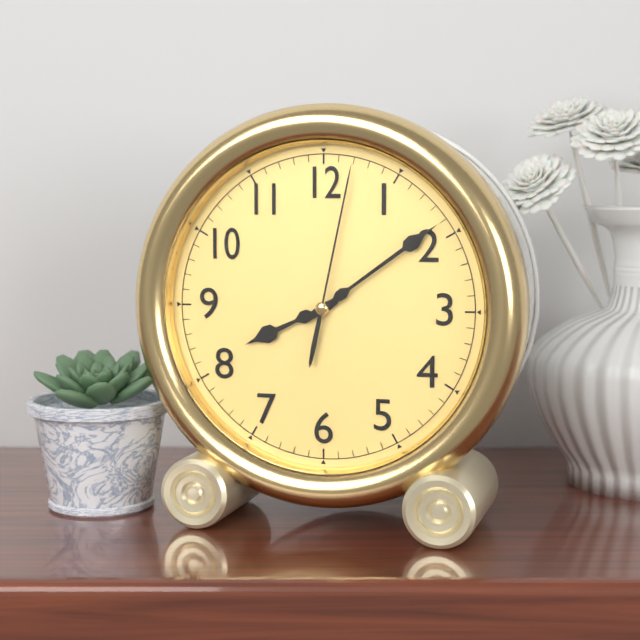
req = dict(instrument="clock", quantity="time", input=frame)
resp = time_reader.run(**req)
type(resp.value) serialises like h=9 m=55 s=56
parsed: h=8 m=9 s=2
